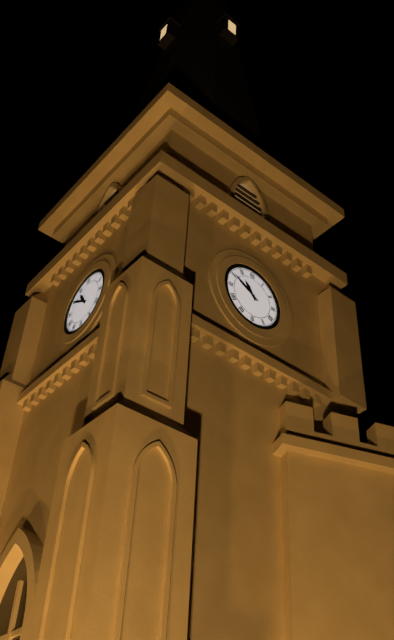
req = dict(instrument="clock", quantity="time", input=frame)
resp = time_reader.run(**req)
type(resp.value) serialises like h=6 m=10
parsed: h=10 m=50
